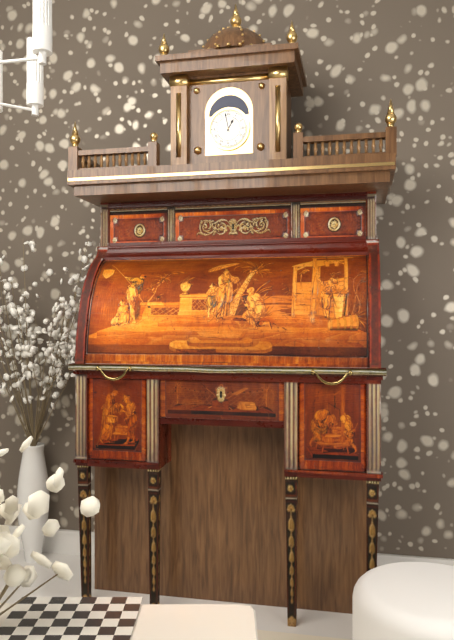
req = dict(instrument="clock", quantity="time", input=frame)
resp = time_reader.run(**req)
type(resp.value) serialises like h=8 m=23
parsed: h=12 m=58
